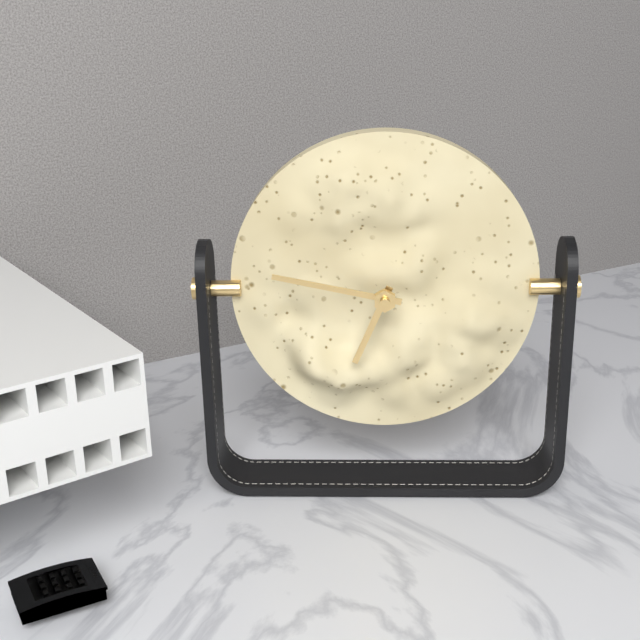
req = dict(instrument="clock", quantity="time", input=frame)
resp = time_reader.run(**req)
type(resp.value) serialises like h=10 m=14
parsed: h=6 m=47
